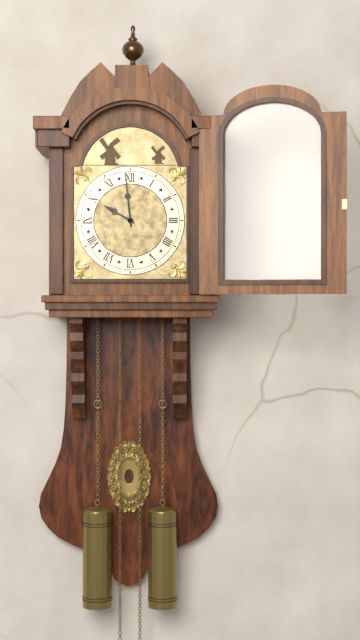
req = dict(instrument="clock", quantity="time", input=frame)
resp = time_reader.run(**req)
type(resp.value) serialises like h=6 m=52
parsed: h=9 m=59
